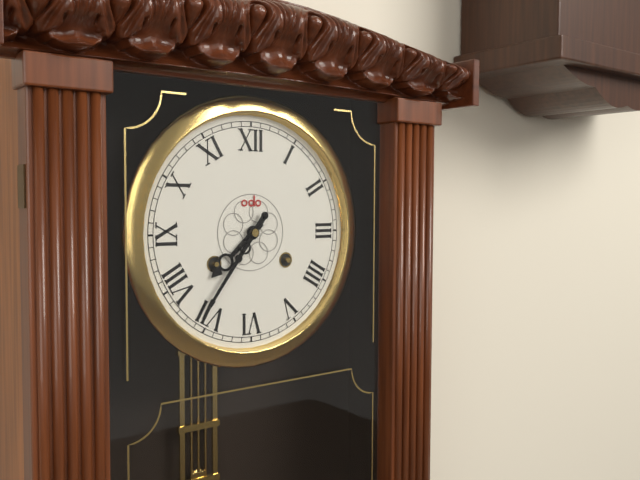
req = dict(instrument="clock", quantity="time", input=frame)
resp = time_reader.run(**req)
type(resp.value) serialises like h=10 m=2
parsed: h=7 m=36
